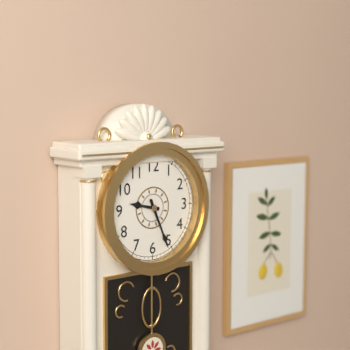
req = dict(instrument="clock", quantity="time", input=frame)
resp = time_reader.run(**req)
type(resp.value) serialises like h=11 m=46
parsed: h=9 m=26
